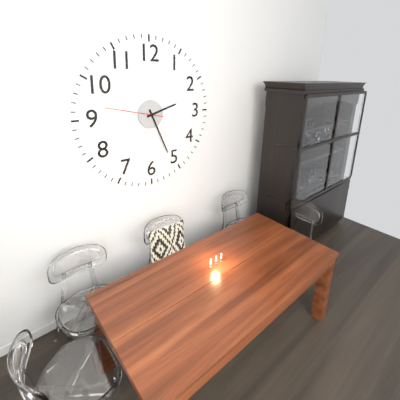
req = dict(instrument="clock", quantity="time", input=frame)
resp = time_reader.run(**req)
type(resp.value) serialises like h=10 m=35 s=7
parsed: h=2 m=26 s=47
